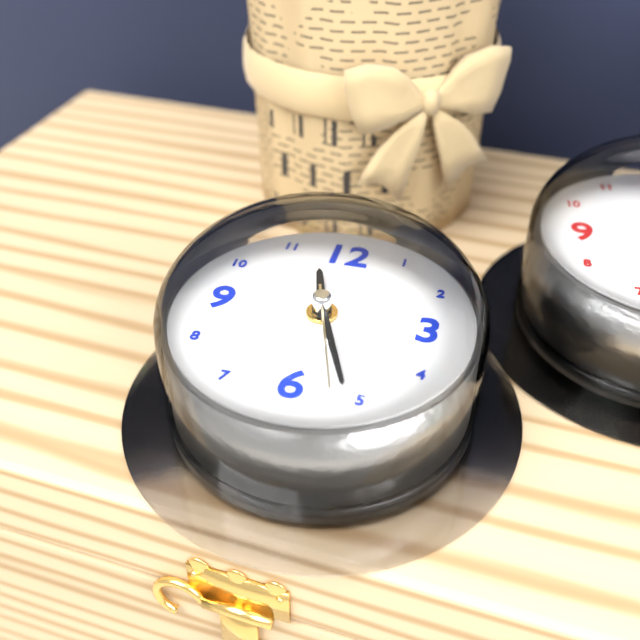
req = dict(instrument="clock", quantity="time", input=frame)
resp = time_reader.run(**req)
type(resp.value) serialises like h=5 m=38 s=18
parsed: h=11 m=26 s=27
